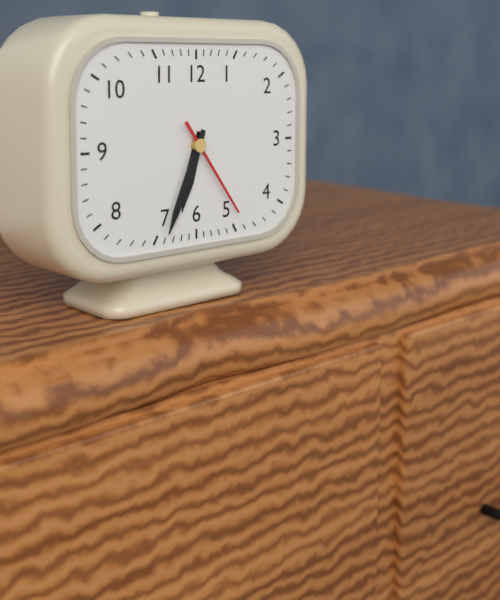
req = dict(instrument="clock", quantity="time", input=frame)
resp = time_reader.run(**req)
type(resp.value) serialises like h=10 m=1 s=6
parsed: h=6 m=34 s=24
